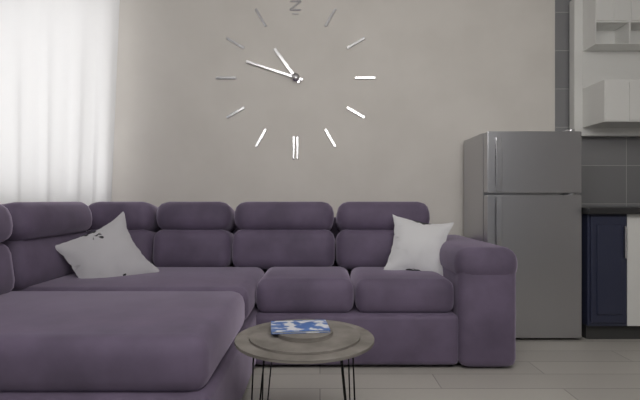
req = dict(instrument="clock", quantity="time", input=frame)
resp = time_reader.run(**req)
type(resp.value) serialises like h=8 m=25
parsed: h=10 m=48
